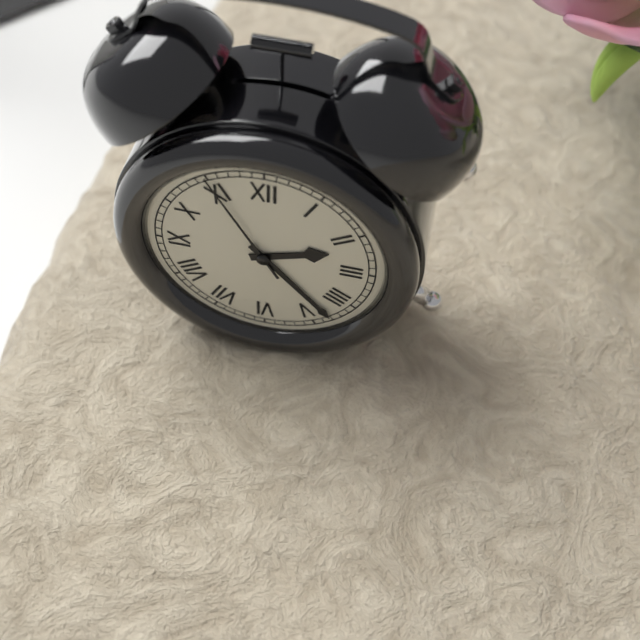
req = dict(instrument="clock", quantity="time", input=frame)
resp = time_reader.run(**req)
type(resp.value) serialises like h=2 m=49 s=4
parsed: h=2 m=23 s=55
